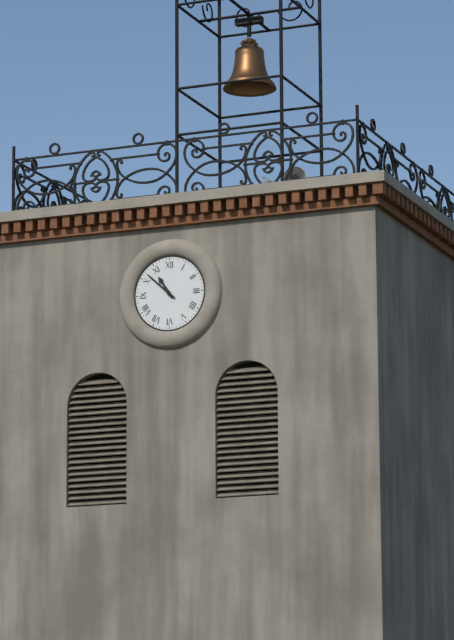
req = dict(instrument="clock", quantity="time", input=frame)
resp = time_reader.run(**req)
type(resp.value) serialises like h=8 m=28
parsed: h=10 m=52
